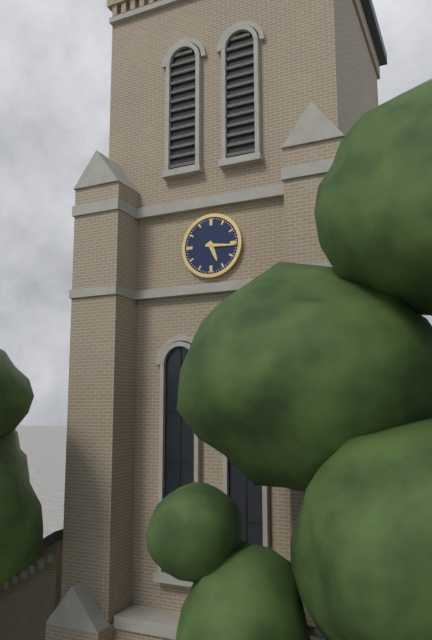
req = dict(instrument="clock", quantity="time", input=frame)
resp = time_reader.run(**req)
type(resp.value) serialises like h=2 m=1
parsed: h=5 m=16
